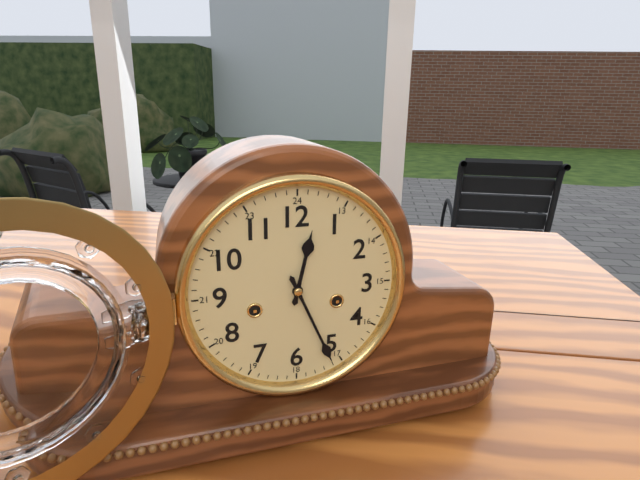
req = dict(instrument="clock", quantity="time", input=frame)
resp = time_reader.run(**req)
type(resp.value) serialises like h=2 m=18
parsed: h=12 m=26
